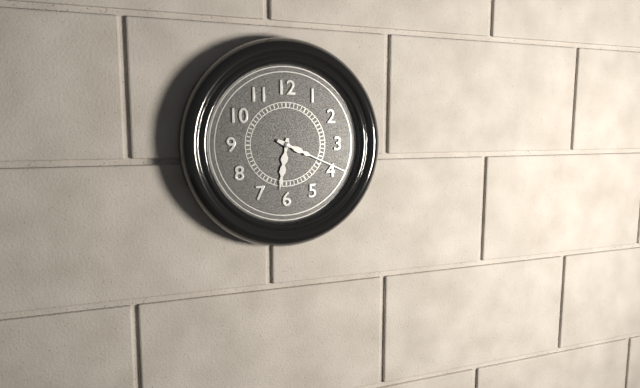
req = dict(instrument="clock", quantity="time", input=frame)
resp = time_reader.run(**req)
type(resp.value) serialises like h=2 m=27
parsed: h=6 m=19
